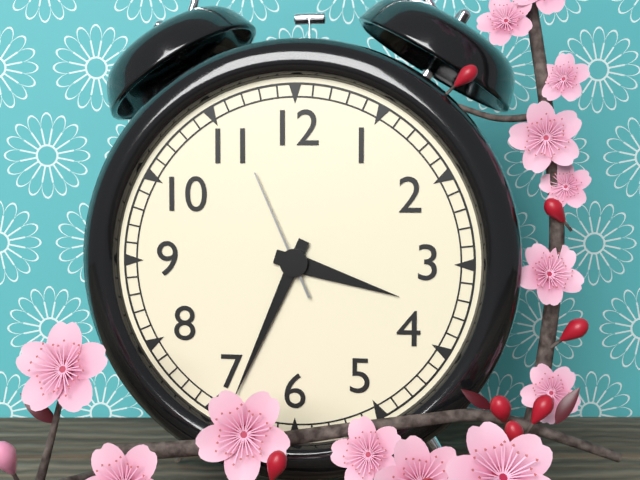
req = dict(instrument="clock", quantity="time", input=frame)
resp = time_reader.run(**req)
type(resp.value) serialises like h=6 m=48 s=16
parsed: h=3 m=34 s=56
